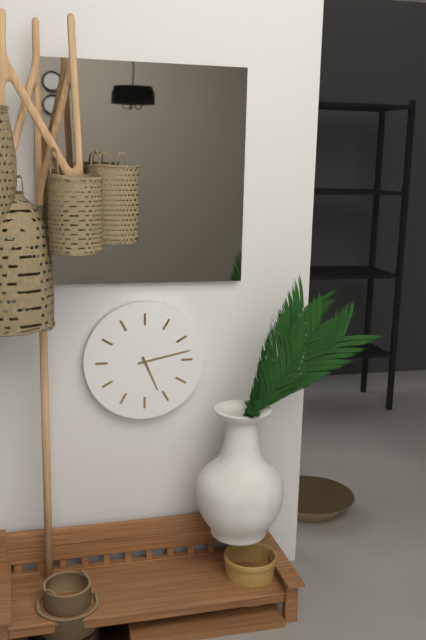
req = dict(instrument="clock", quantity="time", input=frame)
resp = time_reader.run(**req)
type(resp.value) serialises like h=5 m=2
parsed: h=5 m=13
